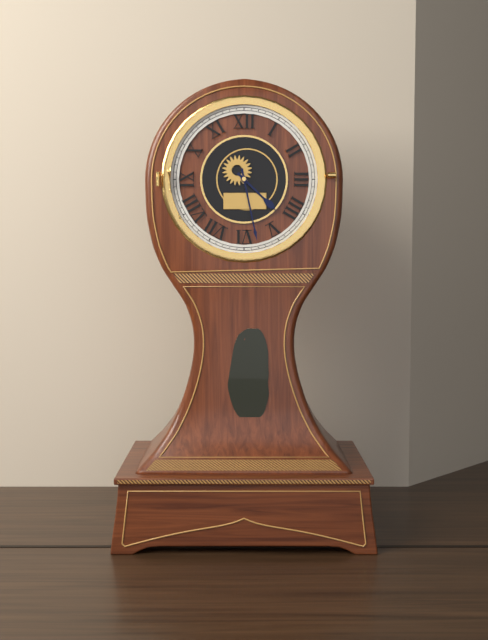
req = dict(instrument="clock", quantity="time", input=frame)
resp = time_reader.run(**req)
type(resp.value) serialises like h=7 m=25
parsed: h=4 m=28
